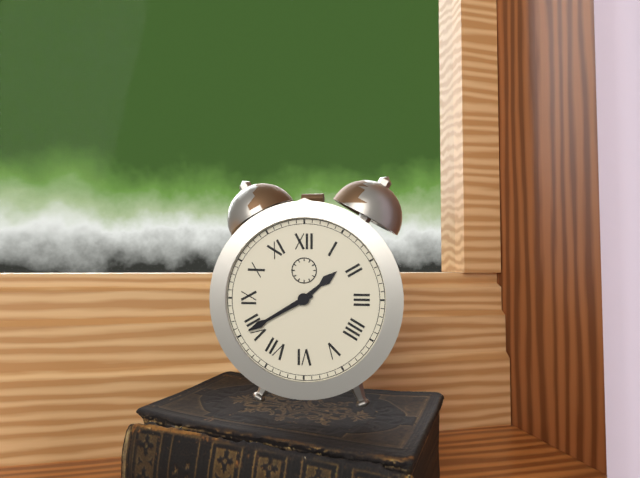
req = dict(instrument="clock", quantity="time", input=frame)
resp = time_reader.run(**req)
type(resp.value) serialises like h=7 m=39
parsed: h=1 m=40
